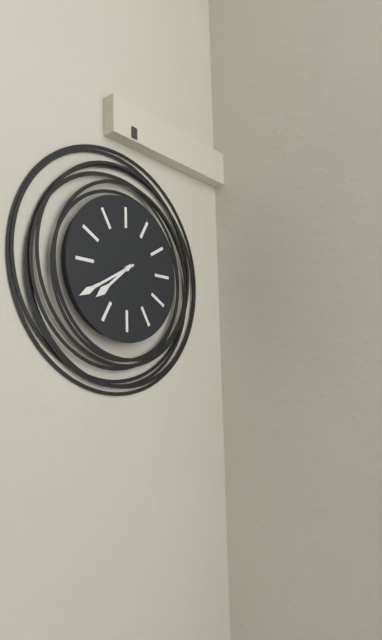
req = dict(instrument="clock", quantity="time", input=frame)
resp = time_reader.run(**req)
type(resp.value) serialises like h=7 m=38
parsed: h=7 m=40
